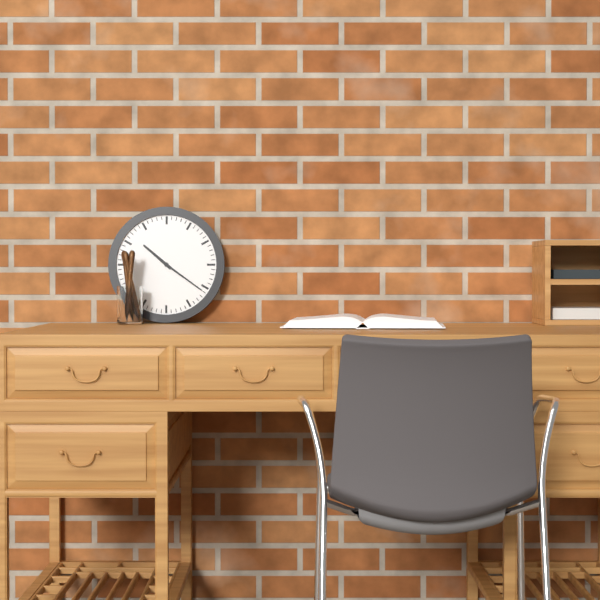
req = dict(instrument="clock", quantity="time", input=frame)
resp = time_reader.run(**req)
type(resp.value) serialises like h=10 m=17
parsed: h=10 m=21
